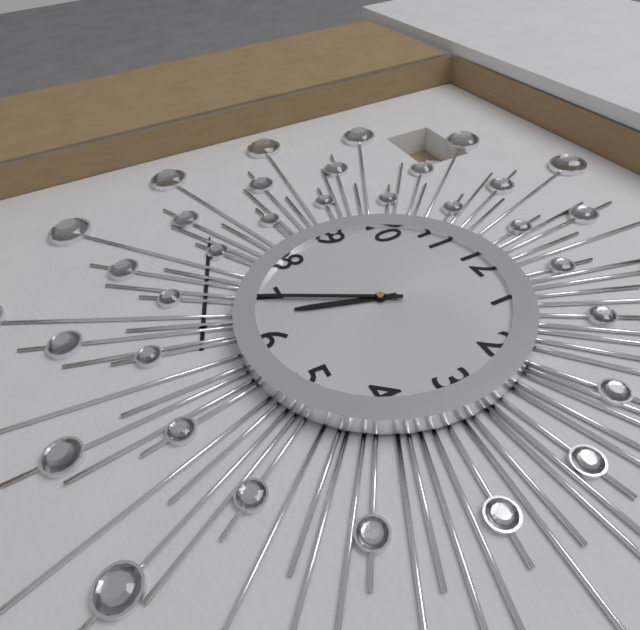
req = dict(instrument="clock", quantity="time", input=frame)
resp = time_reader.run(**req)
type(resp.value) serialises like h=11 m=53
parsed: h=6 m=35
